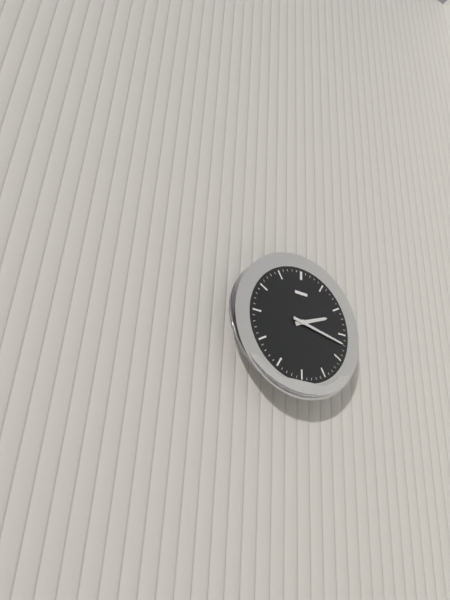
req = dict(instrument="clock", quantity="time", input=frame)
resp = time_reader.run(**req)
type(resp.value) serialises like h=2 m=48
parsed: h=2 m=17
